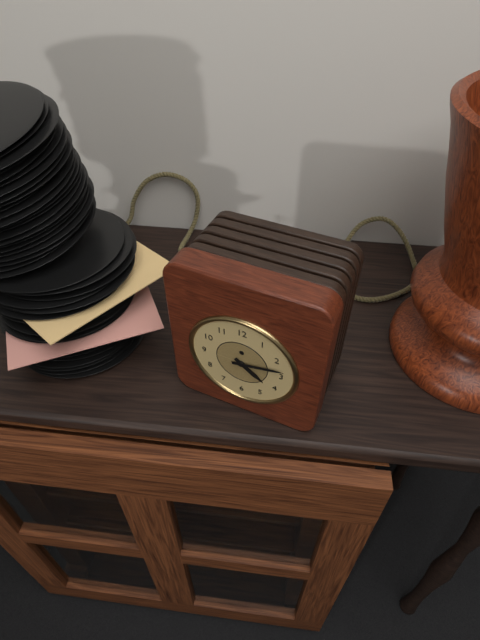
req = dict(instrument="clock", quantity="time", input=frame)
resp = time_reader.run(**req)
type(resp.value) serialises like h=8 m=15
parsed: h=4 m=13
